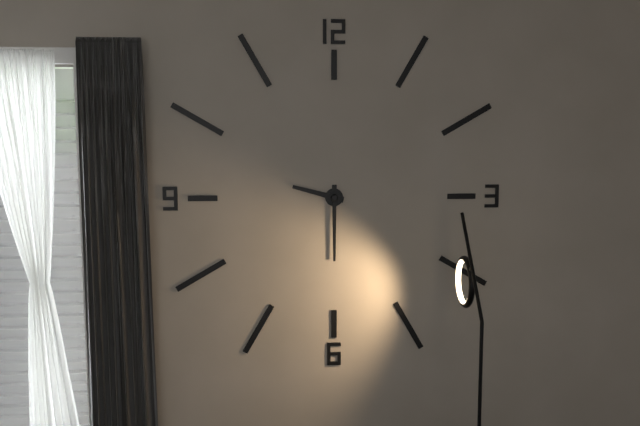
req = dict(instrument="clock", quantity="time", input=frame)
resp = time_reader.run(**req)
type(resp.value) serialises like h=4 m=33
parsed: h=9 m=30
